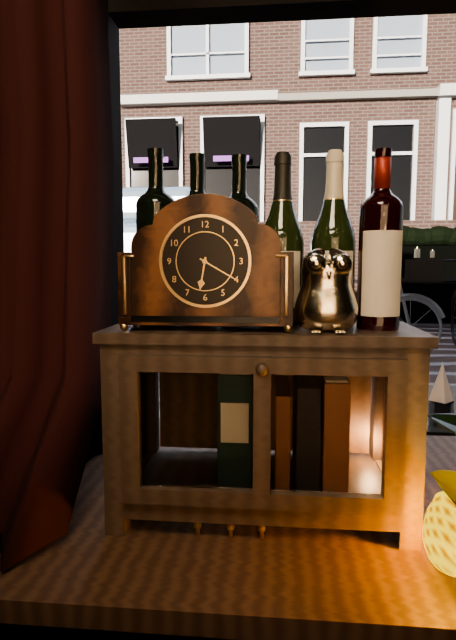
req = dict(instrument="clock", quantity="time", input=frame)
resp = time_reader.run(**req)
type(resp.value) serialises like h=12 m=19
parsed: h=6 m=20
